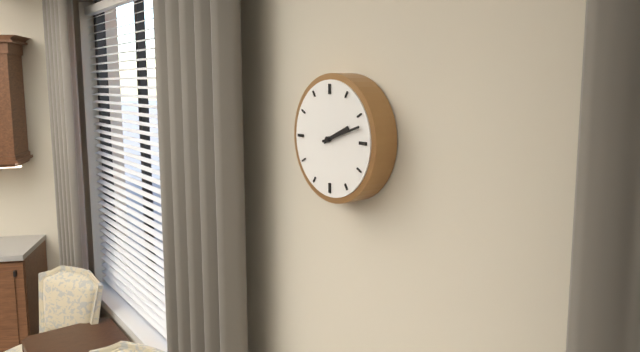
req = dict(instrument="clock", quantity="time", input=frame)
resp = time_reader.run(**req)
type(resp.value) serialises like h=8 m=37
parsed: h=2 m=12
